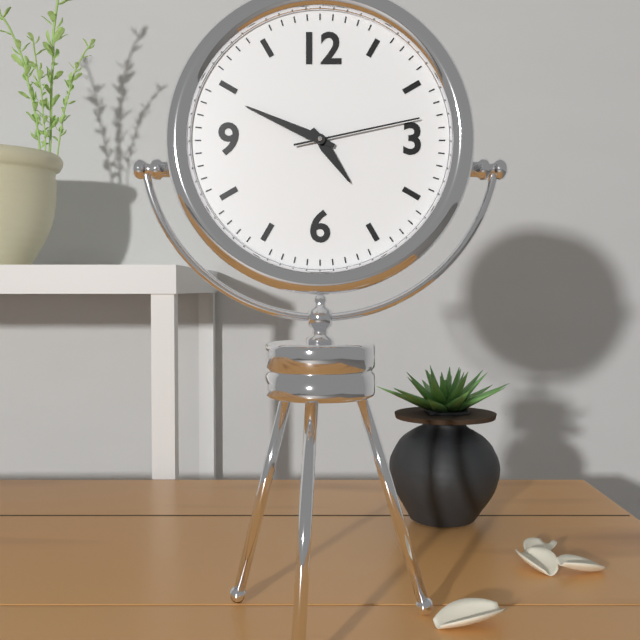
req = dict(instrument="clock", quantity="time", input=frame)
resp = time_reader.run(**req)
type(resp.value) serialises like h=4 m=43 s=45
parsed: h=4 m=49 s=13
